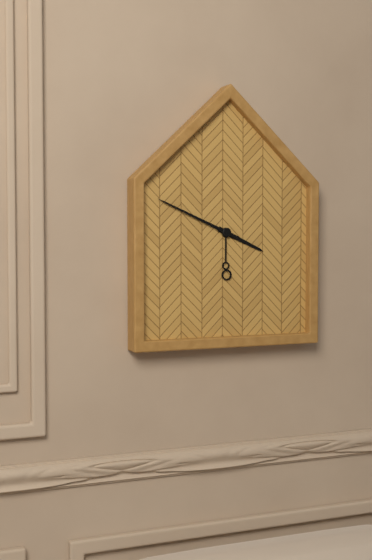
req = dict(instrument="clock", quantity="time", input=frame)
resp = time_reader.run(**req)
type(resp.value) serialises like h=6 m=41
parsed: h=3 m=49
